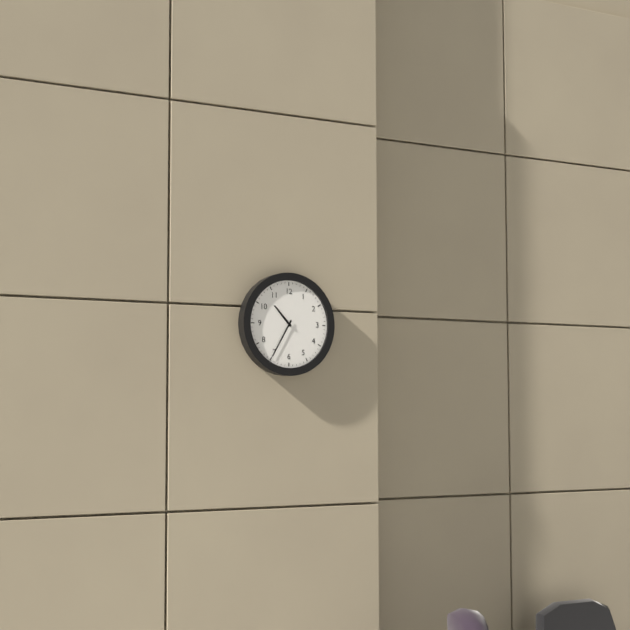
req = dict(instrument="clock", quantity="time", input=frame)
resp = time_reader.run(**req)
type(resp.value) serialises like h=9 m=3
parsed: h=10 m=35
